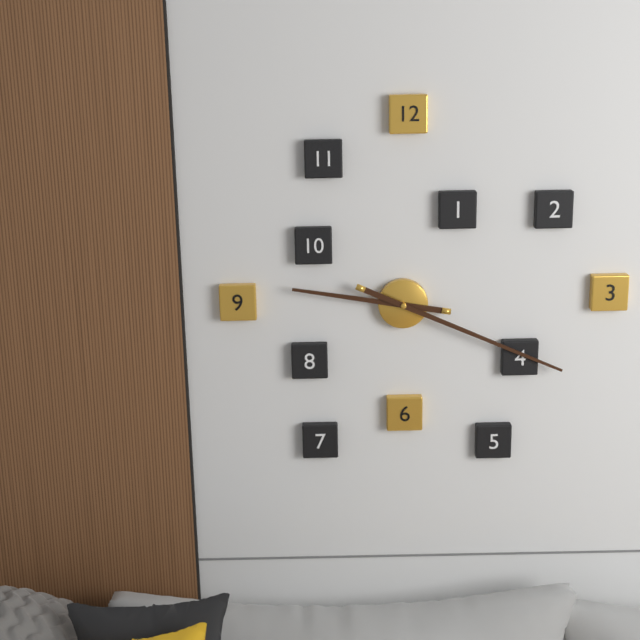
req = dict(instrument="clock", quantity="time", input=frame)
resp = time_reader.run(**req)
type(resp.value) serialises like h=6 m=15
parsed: h=9 m=19
